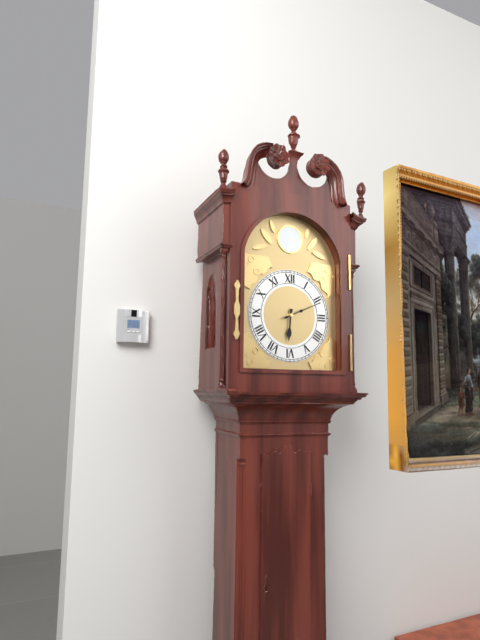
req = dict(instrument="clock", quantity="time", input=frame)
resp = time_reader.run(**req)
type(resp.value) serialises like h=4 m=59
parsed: h=6 m=11
